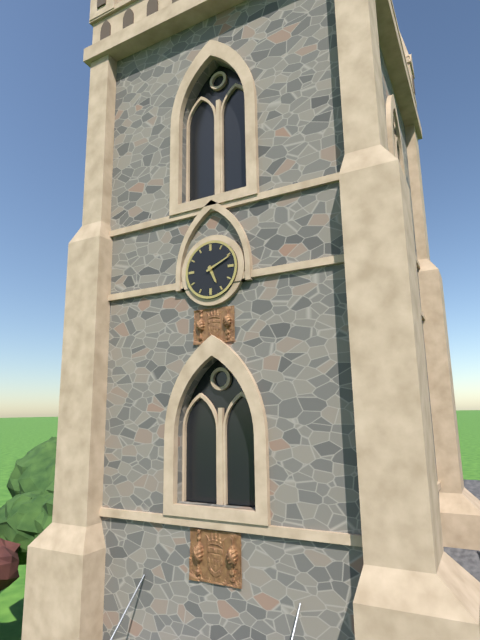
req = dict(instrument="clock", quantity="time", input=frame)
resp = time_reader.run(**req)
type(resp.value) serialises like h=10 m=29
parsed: h=5 m=11
